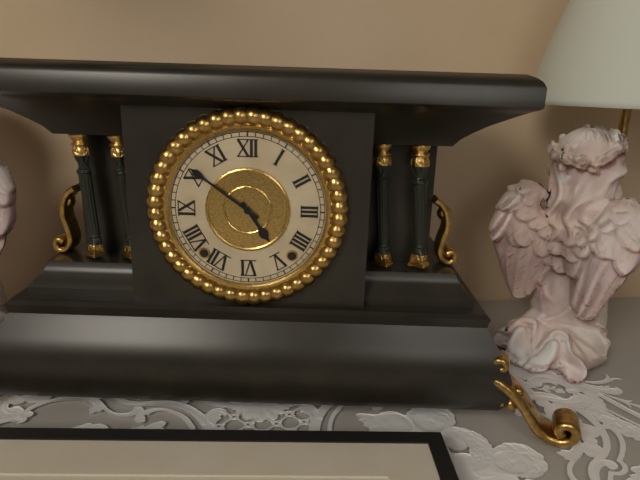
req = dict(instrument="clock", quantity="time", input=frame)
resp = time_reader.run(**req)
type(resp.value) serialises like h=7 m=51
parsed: h=4 m=51
